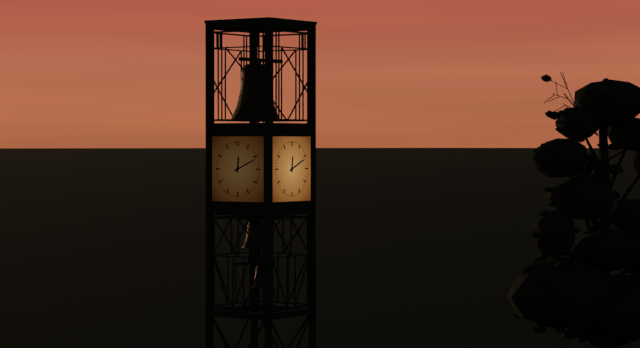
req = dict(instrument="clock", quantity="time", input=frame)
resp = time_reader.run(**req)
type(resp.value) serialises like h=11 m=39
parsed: h=12 m=11
